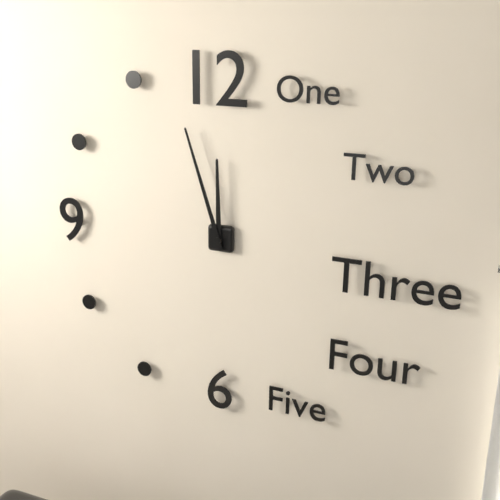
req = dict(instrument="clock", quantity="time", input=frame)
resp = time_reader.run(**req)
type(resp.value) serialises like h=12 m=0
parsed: h=11 m=57
